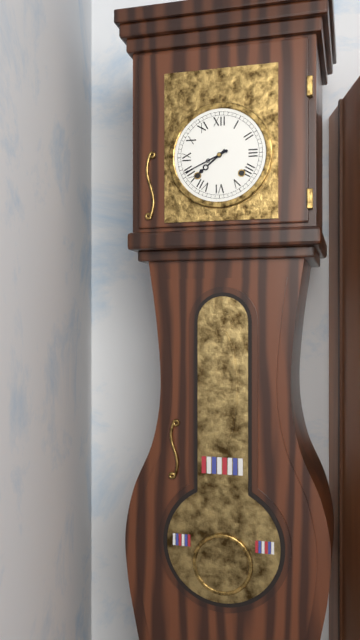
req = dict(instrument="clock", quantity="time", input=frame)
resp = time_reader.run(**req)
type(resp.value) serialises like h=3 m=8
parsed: h=7 m=41
